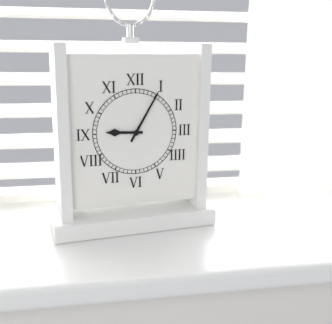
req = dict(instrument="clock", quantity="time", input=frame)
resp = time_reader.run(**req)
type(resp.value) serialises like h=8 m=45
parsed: h=9 m=5
